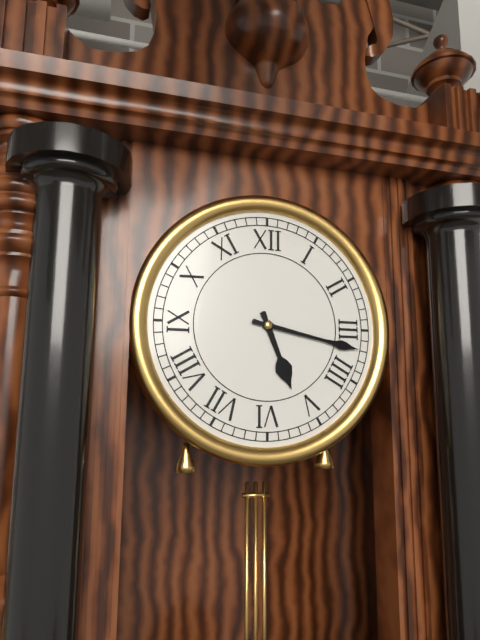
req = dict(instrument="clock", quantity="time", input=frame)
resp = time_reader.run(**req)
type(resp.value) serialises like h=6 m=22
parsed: h=5 m=17
